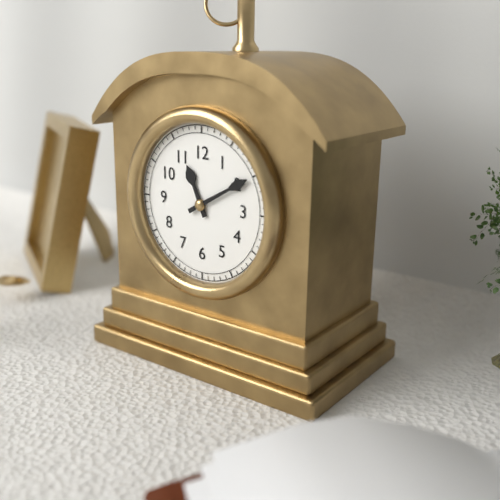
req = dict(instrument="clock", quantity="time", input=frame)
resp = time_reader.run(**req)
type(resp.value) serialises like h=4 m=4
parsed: h=11 m=10
